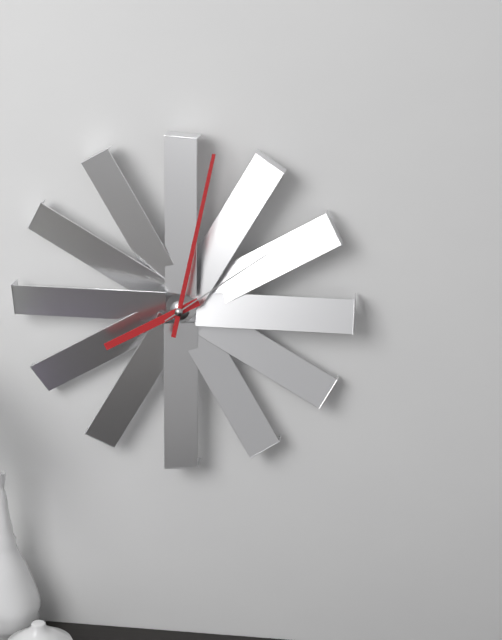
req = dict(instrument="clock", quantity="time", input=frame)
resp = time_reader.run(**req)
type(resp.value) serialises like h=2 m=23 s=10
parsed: h=8 m=2 s=9
